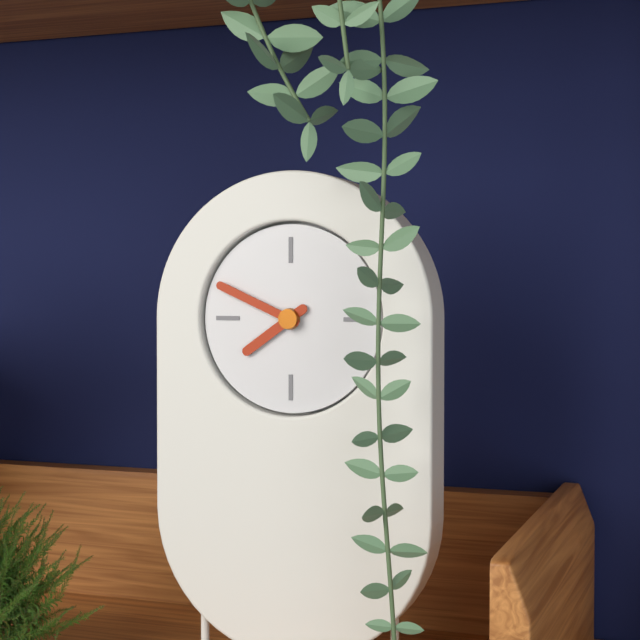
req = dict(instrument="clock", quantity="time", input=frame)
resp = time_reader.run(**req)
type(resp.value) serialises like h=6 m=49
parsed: h=7 m=49
